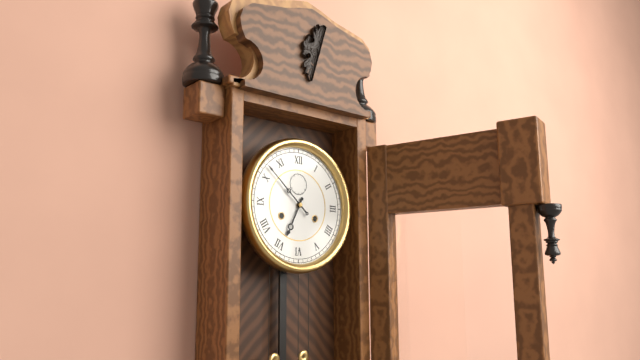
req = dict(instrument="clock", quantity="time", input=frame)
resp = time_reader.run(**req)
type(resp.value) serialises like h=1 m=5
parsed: h=6 m=52
